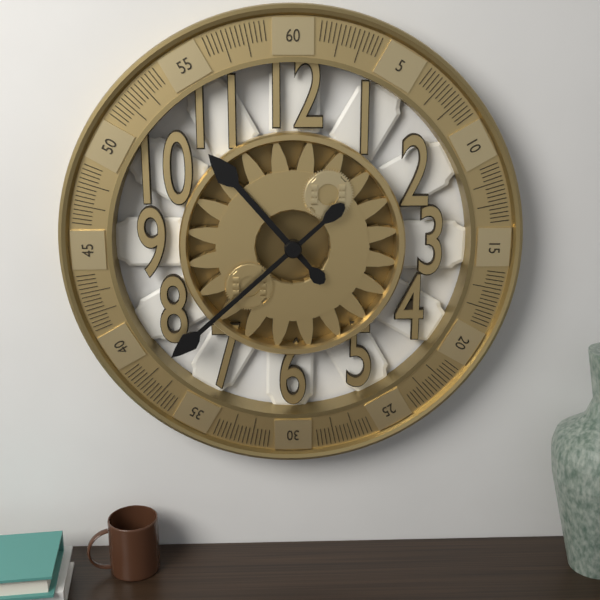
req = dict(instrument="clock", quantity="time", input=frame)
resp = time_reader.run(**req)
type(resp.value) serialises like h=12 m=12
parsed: h=10 m=38
